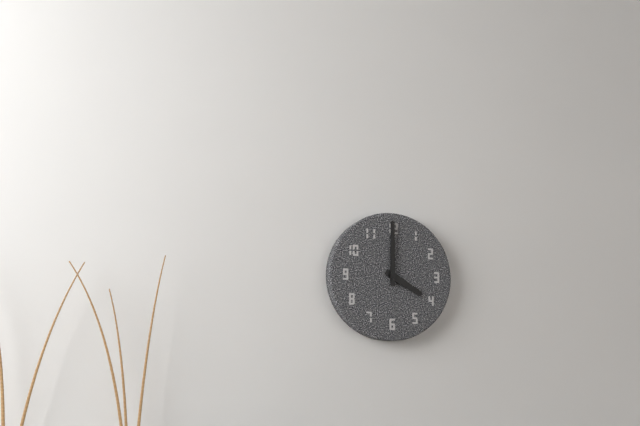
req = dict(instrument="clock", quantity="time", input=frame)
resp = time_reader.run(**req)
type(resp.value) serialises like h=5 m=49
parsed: h=4 m=0
